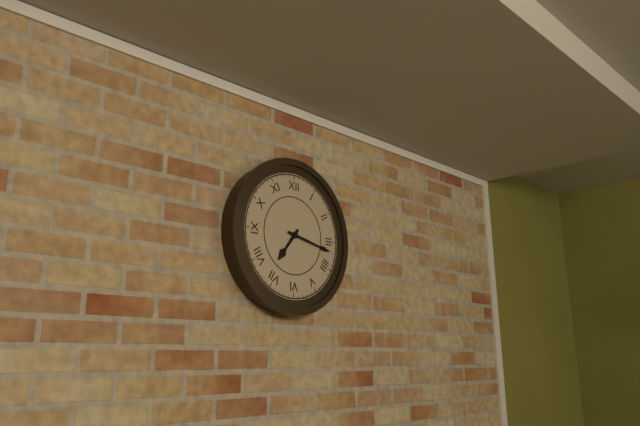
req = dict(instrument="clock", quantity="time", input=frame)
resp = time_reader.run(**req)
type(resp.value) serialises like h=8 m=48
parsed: h=7 m=17
